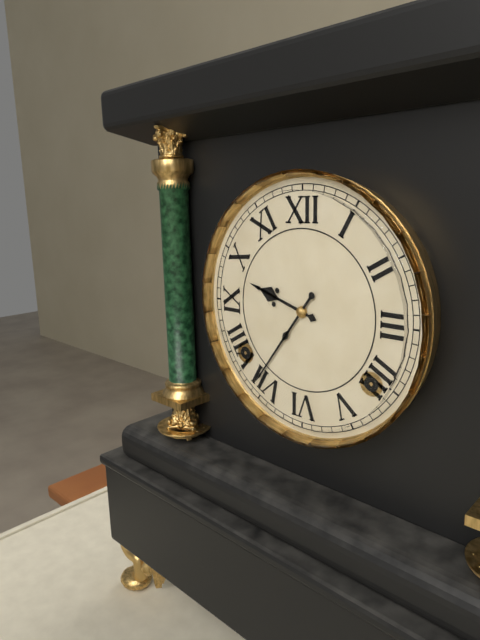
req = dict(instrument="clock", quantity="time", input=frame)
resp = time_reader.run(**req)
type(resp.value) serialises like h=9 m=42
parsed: h=9 m=36
